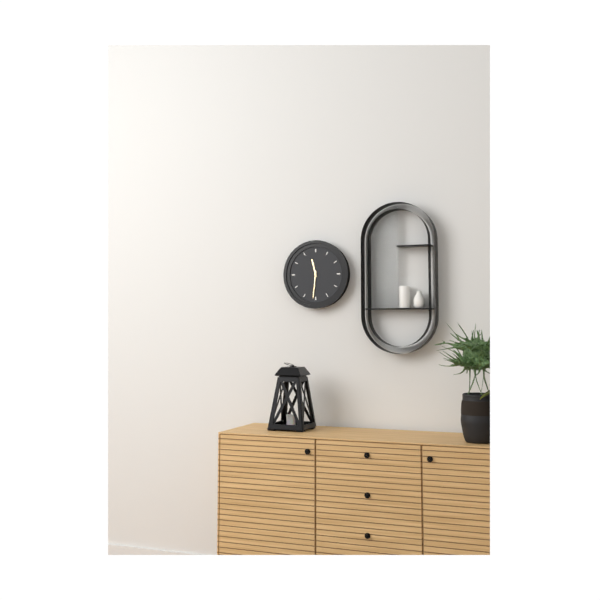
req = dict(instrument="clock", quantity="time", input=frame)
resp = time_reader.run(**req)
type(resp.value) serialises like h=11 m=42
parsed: h=11 m=31
